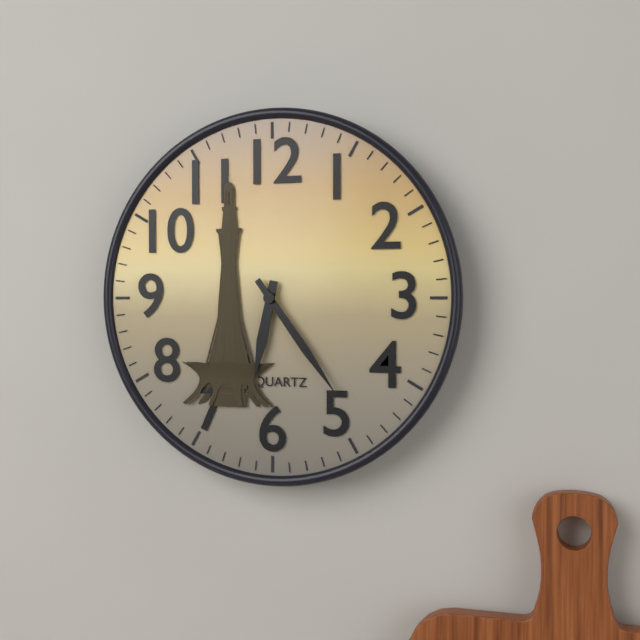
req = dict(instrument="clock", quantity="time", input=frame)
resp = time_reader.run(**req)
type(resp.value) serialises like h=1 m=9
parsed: h=6 m=24
